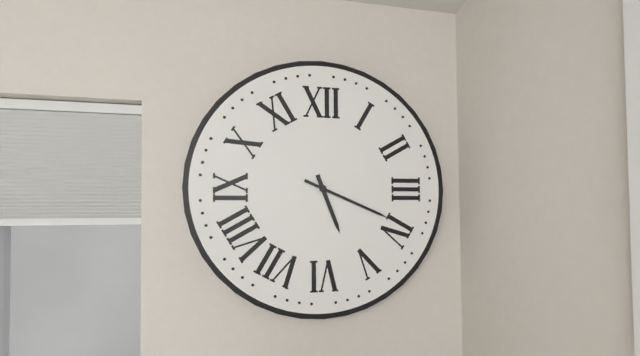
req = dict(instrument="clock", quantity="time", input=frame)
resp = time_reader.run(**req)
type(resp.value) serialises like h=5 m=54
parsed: h=5 m=19
